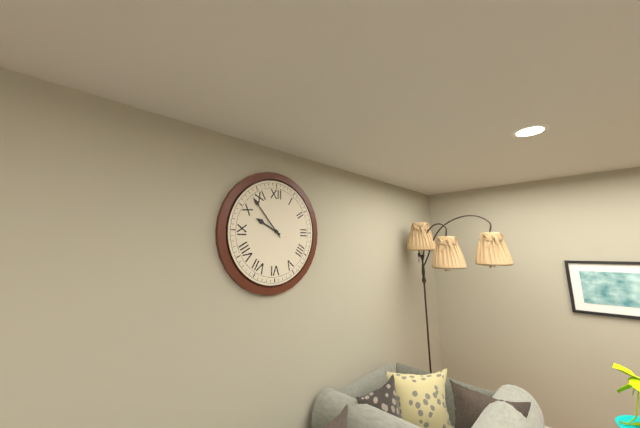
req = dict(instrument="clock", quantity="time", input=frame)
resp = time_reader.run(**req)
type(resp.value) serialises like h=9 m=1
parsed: h=9 m=53
